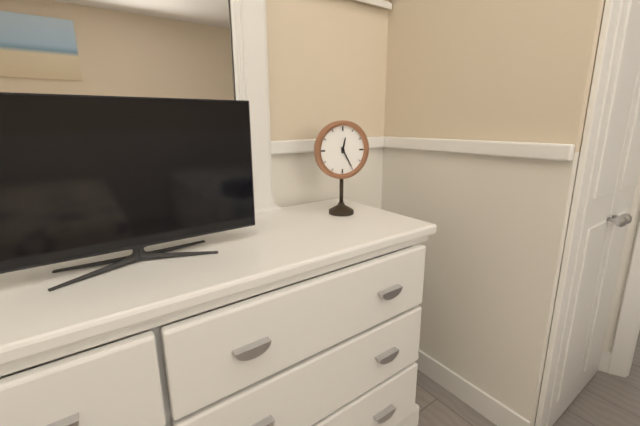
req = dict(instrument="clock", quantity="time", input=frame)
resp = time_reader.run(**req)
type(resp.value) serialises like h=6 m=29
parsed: h=12 m=25
